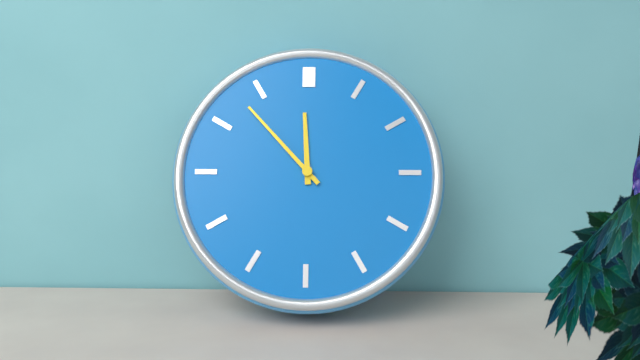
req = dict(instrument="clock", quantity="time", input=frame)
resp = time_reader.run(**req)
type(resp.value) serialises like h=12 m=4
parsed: h=11 m=53
